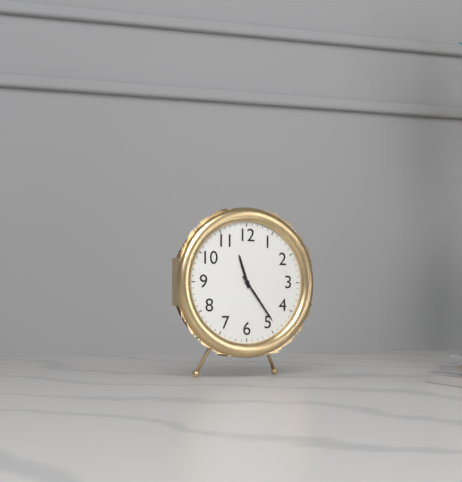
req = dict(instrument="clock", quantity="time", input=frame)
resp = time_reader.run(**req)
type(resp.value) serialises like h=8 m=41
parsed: h=11 m=24
